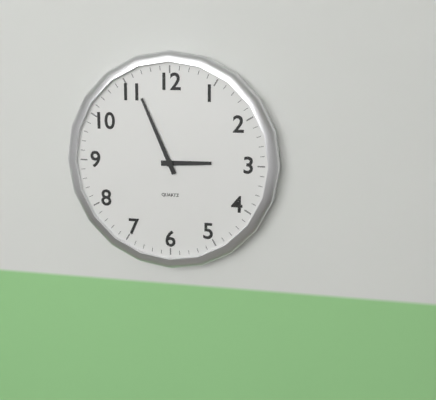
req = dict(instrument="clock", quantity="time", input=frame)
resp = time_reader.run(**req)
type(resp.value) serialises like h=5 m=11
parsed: h=2 m=56
